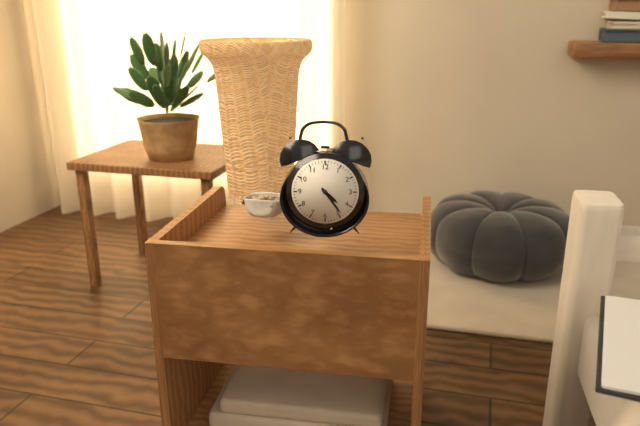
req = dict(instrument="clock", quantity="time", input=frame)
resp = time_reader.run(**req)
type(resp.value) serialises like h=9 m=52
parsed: h=4 m=24
